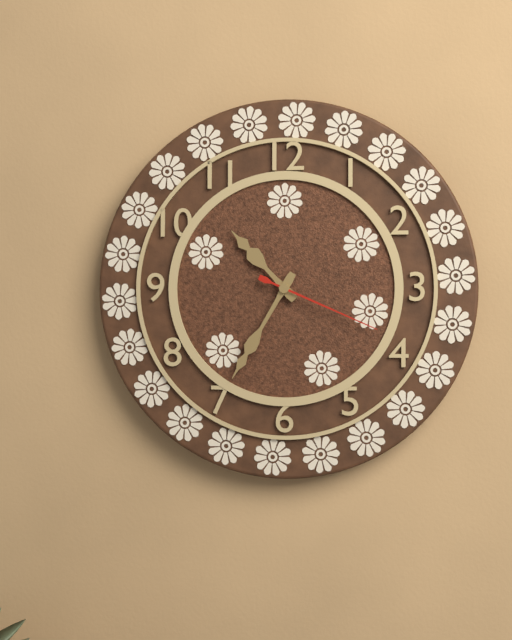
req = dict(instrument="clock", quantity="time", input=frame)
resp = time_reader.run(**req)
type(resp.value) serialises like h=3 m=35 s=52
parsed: h=10 m=35 s=19
